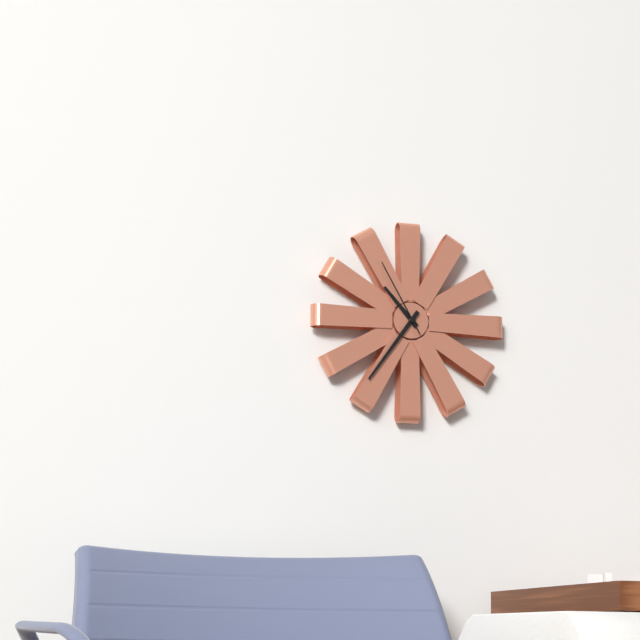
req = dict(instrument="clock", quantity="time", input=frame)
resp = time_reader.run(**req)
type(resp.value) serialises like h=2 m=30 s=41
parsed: h=10 m=36 s=55
